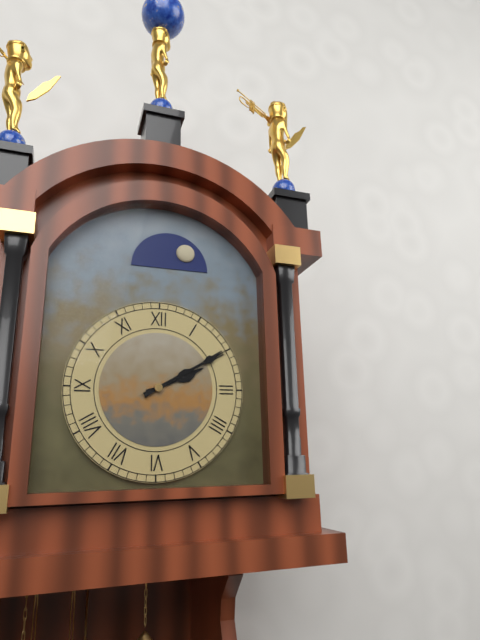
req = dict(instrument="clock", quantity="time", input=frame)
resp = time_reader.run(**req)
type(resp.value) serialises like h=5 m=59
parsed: h=2 m=10
